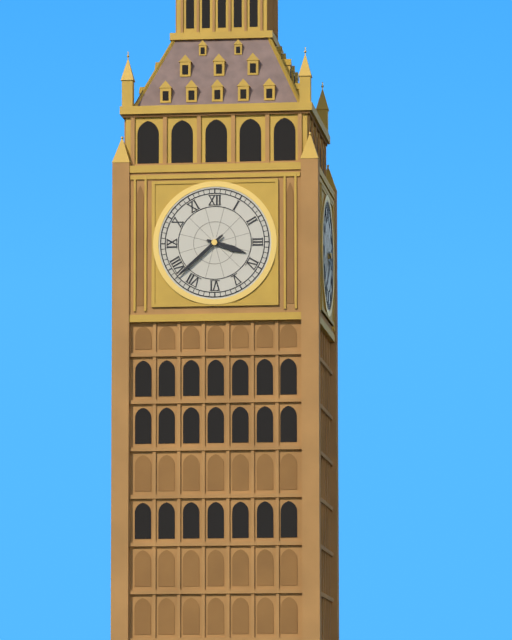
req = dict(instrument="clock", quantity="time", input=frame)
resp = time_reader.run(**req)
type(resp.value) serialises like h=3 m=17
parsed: h=3 m=38
